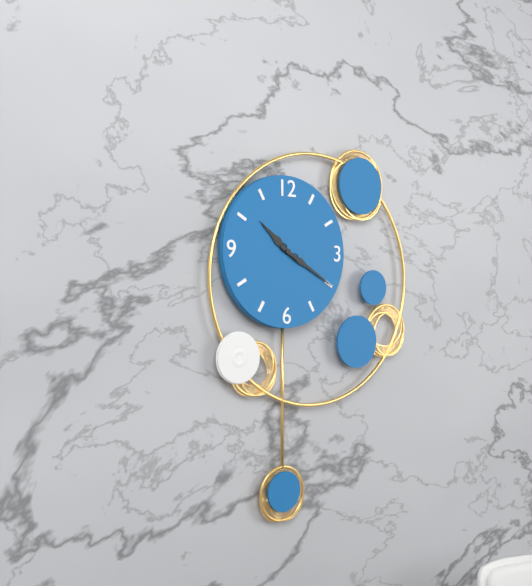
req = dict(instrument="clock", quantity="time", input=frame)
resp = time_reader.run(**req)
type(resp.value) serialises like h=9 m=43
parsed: h=10 m=20
